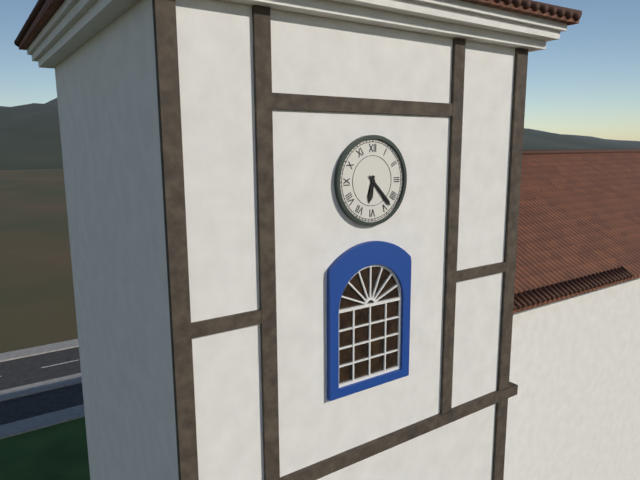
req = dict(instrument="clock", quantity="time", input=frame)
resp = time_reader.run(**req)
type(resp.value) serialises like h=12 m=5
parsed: h=6 m=23
